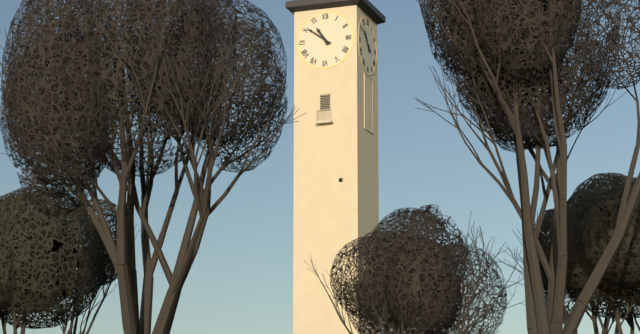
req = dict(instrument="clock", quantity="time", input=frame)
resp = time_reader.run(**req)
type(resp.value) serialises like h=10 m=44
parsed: h=10 m=51
